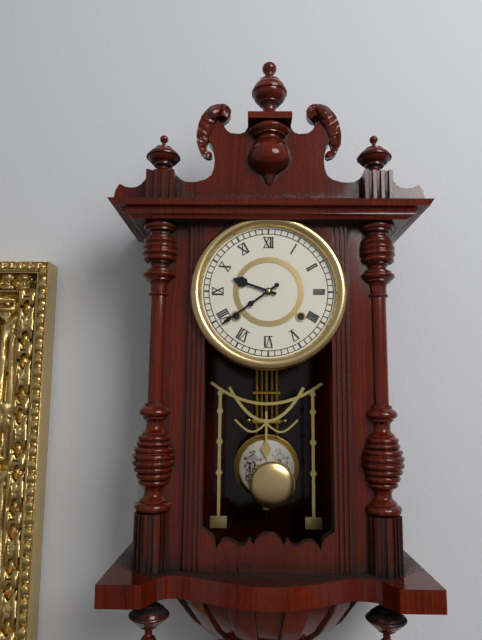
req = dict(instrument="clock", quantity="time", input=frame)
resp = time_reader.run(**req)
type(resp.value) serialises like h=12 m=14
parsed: h=9 m=39
